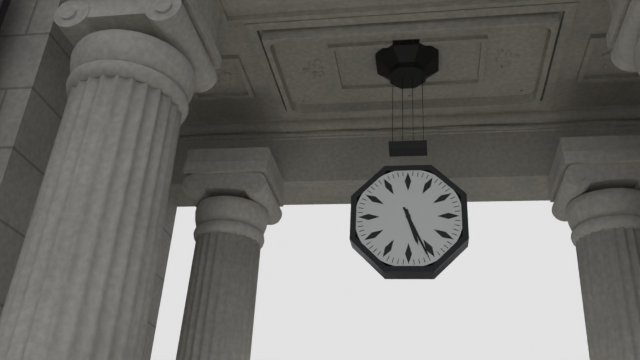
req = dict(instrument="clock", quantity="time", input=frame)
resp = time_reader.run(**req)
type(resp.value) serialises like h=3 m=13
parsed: h=5 m=26
